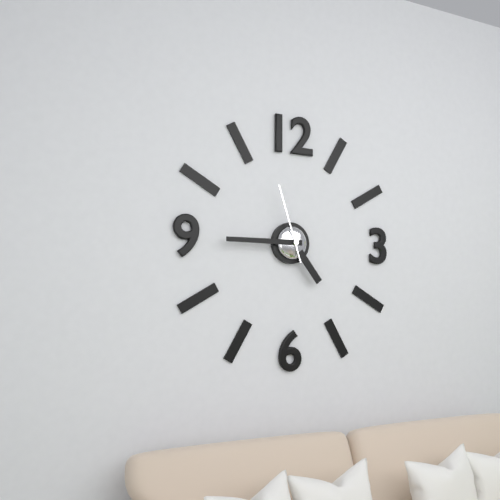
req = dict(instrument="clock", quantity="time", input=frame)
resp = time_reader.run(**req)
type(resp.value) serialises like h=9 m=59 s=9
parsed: h=4 m=45 s=57
